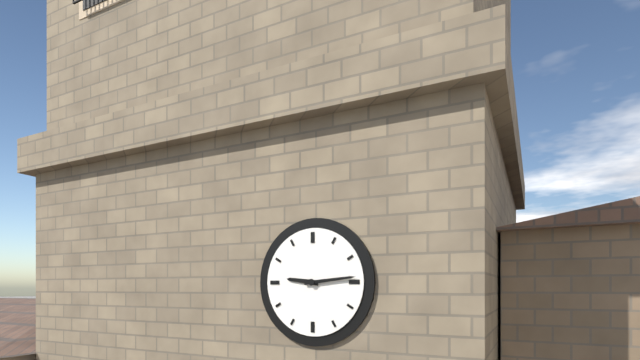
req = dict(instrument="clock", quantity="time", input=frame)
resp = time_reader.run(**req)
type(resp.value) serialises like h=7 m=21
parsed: h=9 m=14
